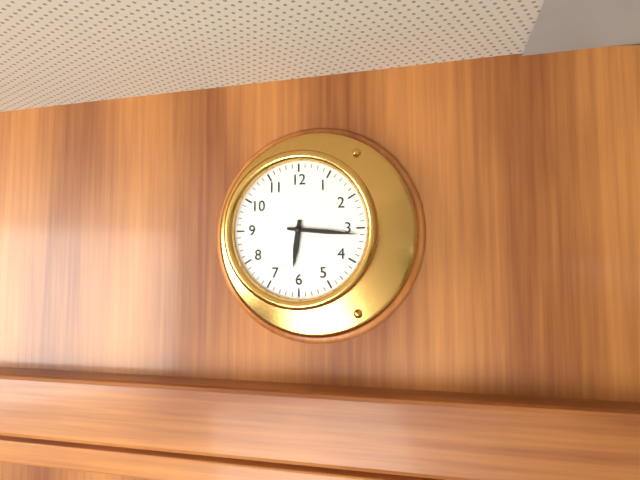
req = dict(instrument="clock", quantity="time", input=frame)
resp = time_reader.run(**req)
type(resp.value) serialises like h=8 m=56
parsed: h=6 m=16
